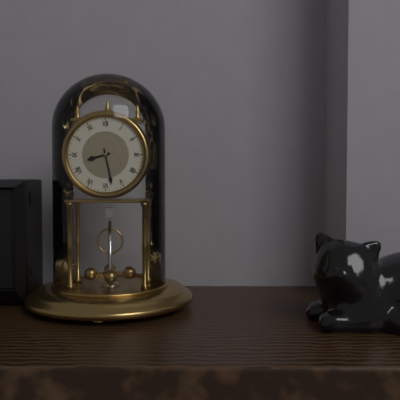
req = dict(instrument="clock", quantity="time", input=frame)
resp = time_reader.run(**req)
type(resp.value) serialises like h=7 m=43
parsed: h=8 m=28
